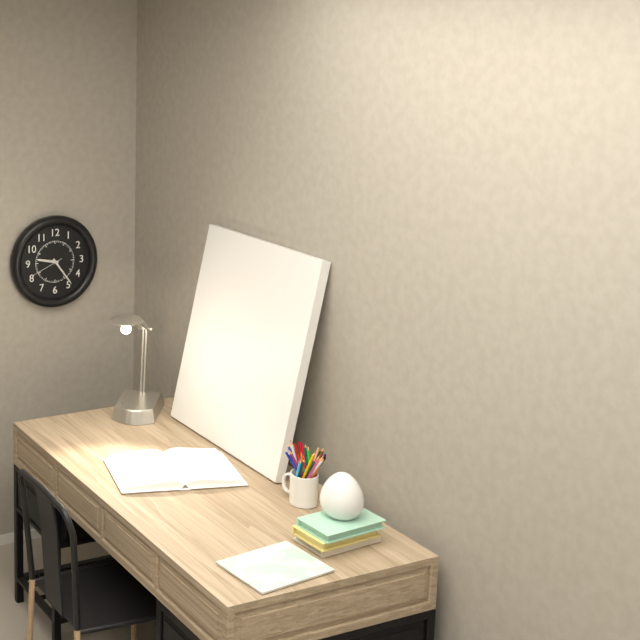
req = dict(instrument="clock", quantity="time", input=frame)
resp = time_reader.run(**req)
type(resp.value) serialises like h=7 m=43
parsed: h=9 m=24
